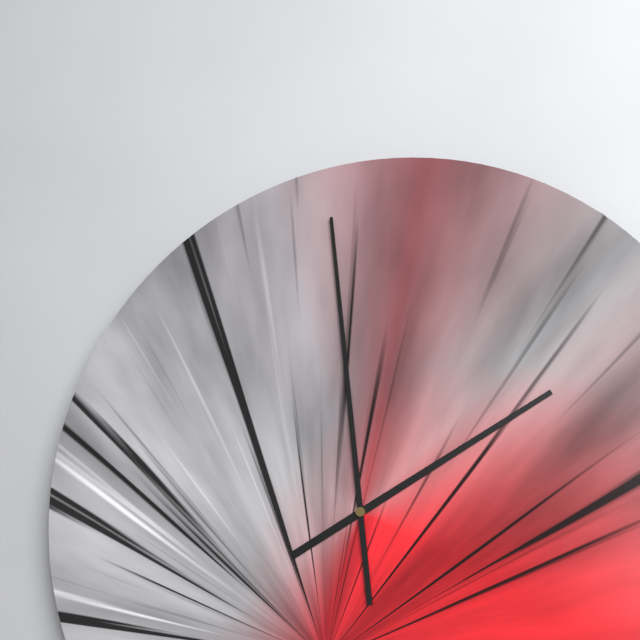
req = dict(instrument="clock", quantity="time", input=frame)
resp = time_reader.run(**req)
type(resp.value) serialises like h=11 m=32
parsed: h=1 m=59
